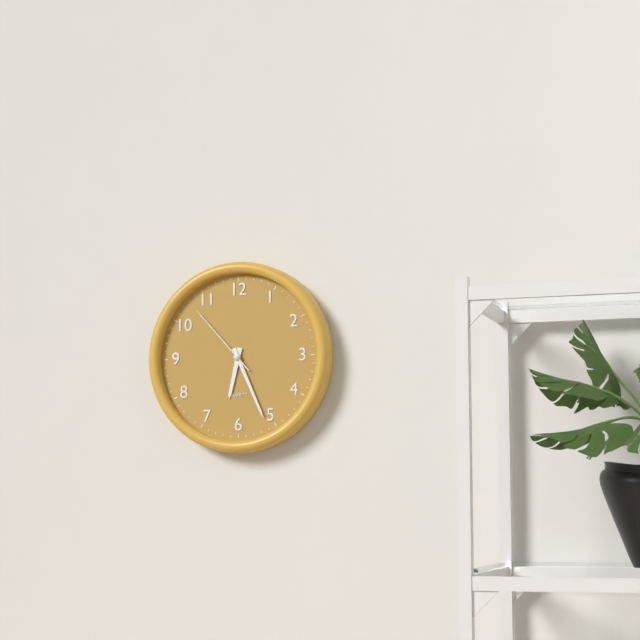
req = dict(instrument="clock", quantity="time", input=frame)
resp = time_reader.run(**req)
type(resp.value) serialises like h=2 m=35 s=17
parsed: h=6 m=26 s=53
